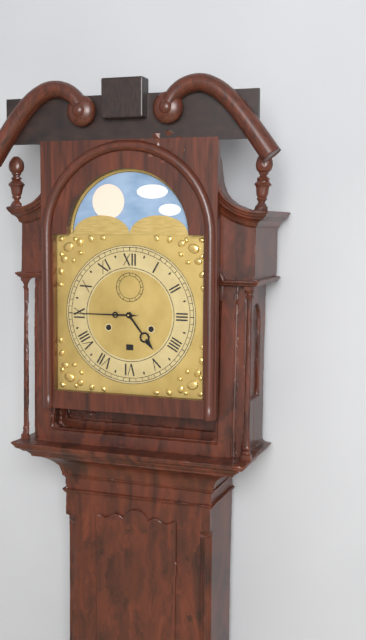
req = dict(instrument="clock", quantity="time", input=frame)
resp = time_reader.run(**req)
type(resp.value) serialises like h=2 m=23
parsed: h=4 m=45
